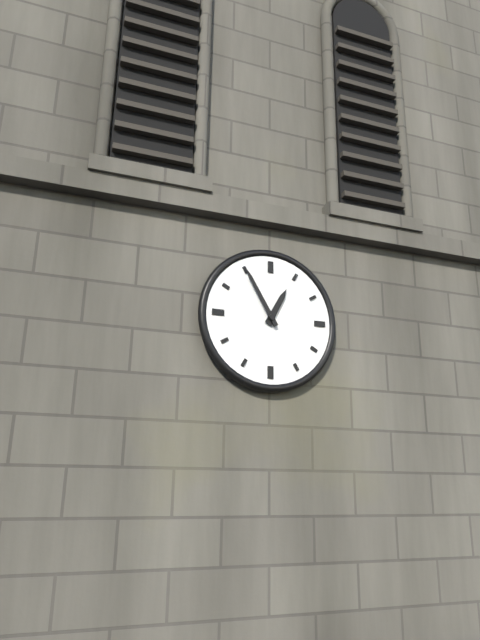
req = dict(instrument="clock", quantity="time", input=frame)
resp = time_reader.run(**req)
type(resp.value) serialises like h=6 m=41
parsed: h=12 m=55
